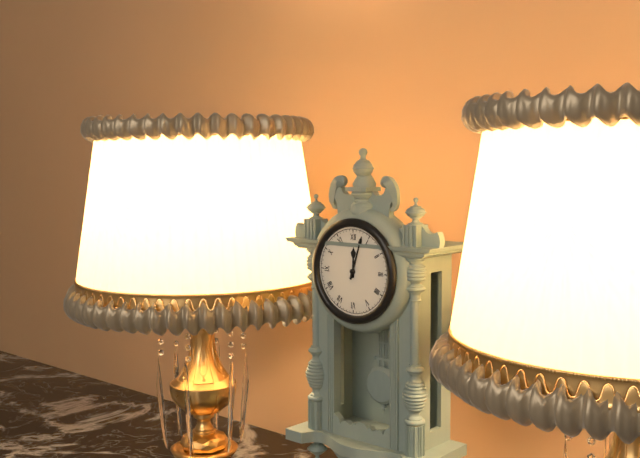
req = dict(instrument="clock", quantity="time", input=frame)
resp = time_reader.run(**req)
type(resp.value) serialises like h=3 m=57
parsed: h=12 m=3
